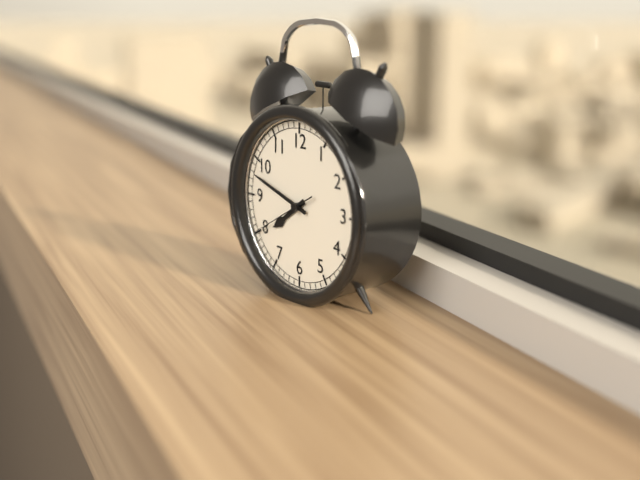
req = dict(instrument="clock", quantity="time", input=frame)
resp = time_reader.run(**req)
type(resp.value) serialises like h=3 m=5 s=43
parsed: h=7 m=48 s=40
